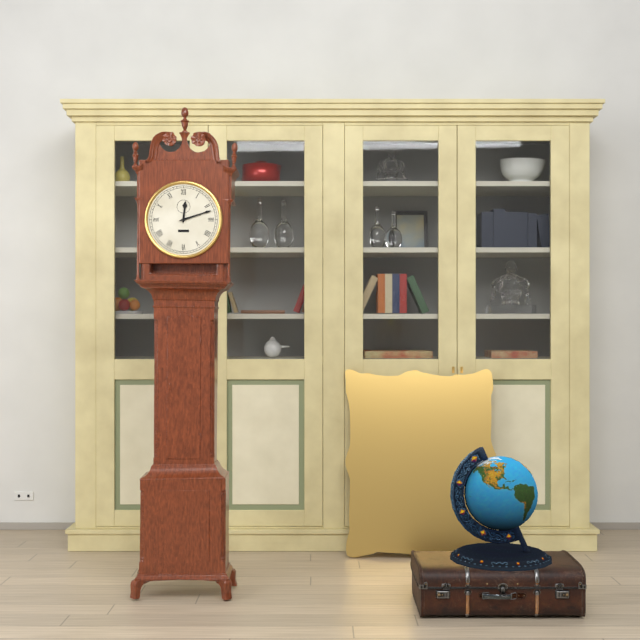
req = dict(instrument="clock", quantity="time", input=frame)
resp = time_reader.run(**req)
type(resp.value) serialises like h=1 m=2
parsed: h=12 m=12
